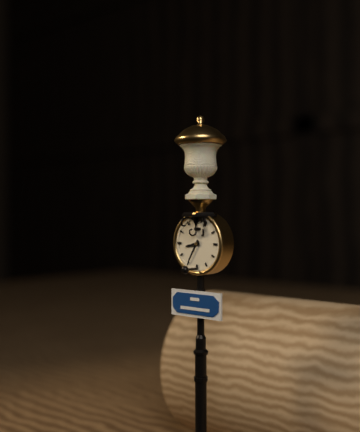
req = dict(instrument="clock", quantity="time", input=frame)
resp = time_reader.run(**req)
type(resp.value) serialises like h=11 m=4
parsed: h=8 m=35
